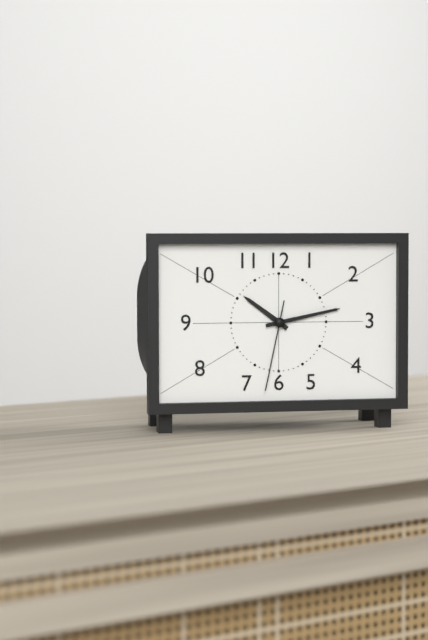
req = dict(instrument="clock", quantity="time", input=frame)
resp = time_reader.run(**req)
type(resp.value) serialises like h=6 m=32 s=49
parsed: h=10 m=13 s=32
